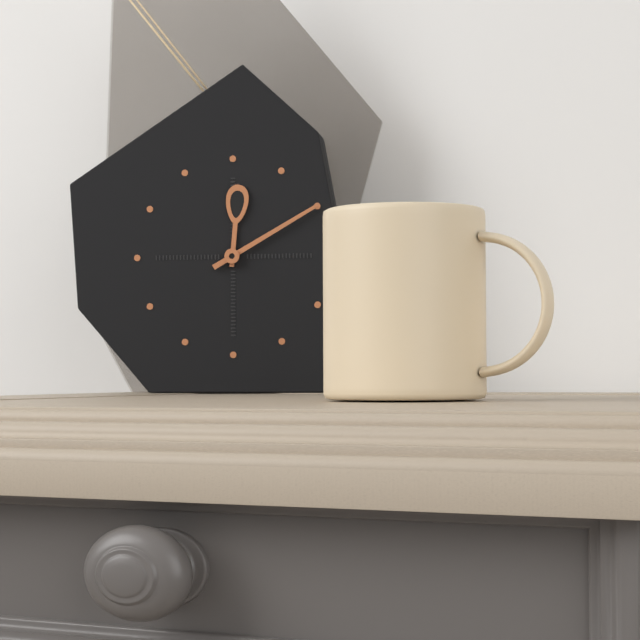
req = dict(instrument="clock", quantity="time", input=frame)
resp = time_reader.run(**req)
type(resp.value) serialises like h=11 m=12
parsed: h=12 m=10
